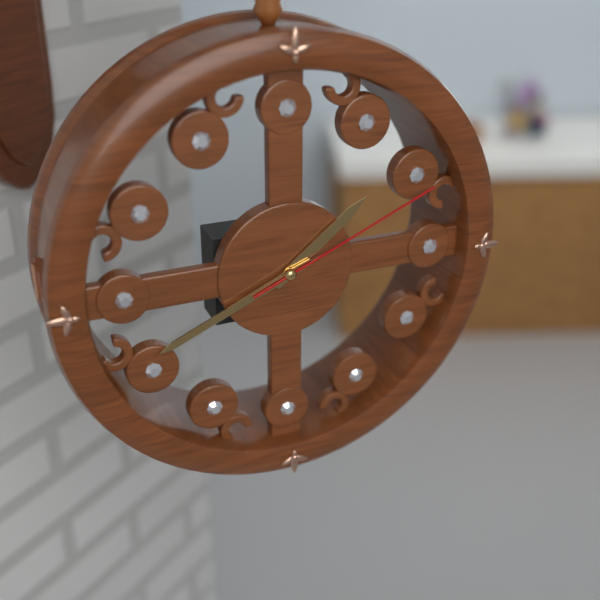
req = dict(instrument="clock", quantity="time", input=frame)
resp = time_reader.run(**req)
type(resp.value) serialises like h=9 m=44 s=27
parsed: h=1 m=41 s=11
